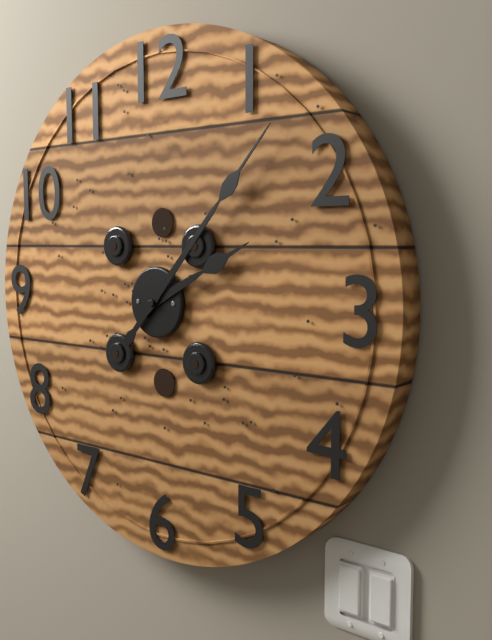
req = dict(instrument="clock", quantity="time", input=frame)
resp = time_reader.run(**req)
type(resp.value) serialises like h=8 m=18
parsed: h=2 m=7
